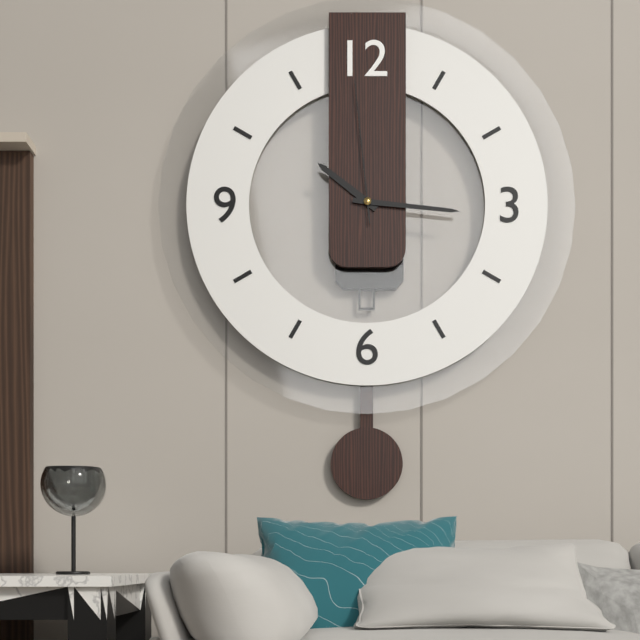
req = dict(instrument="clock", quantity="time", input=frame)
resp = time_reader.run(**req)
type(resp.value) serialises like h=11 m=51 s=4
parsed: h=10 m=16 s=59
